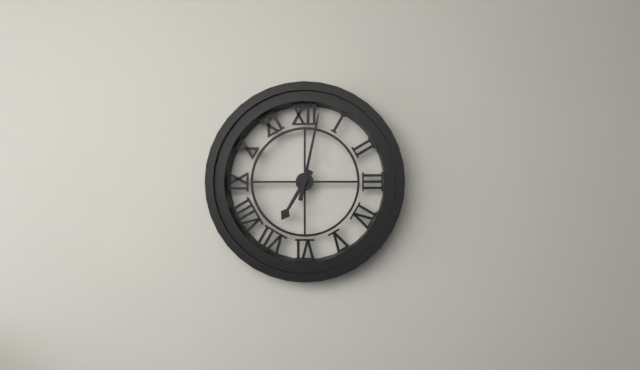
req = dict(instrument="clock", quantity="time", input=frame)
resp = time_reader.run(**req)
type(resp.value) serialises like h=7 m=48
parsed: h=7 m=2
